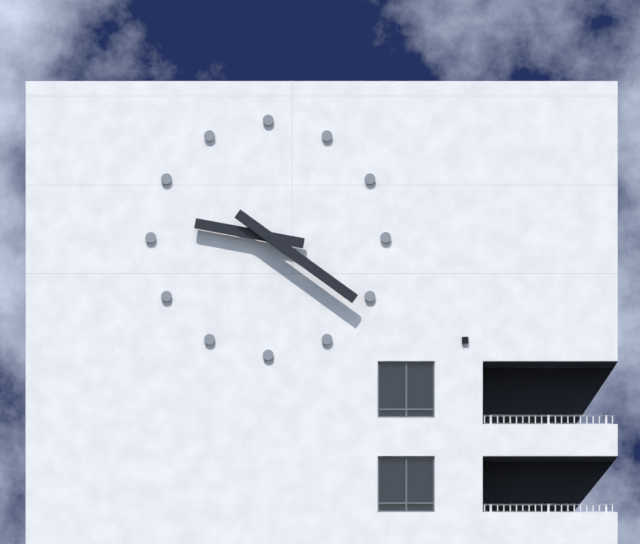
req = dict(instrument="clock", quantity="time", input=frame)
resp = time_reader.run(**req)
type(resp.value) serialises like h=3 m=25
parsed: h=9 m=21
